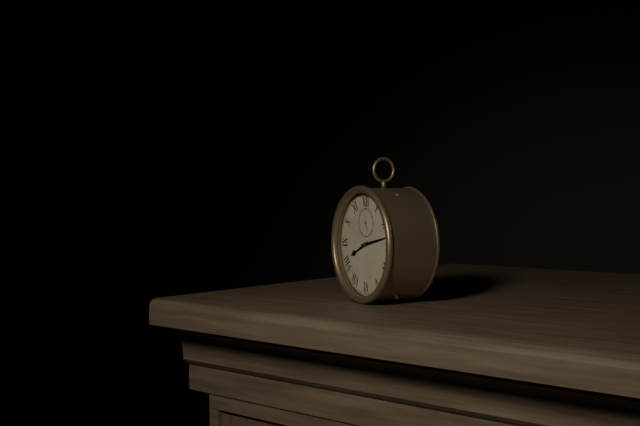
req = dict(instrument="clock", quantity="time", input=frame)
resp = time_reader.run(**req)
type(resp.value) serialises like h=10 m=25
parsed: h=8 m=13
